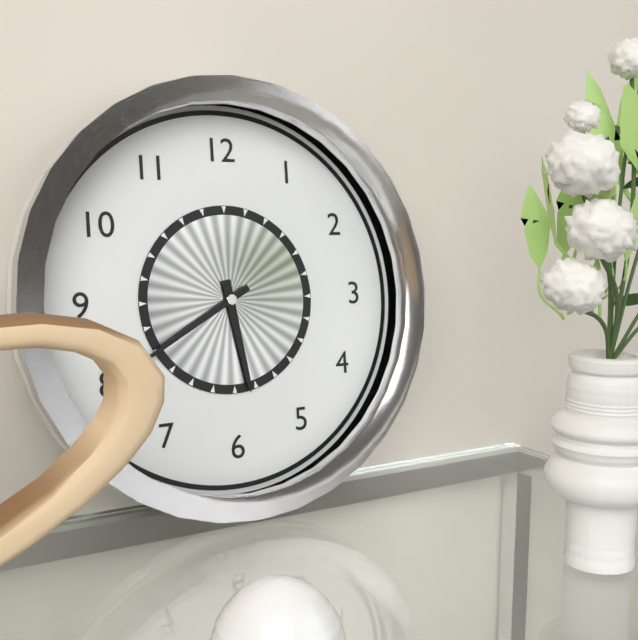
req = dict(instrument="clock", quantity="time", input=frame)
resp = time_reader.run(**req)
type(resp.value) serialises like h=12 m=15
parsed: h=5 m=40
